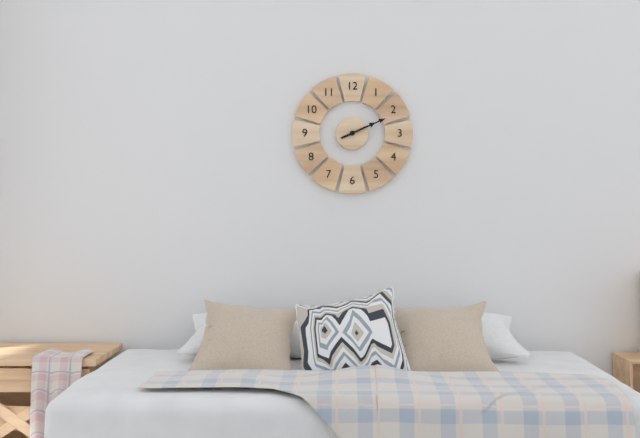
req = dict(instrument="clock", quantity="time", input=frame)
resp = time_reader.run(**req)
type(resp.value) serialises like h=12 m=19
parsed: h=2 m=11
